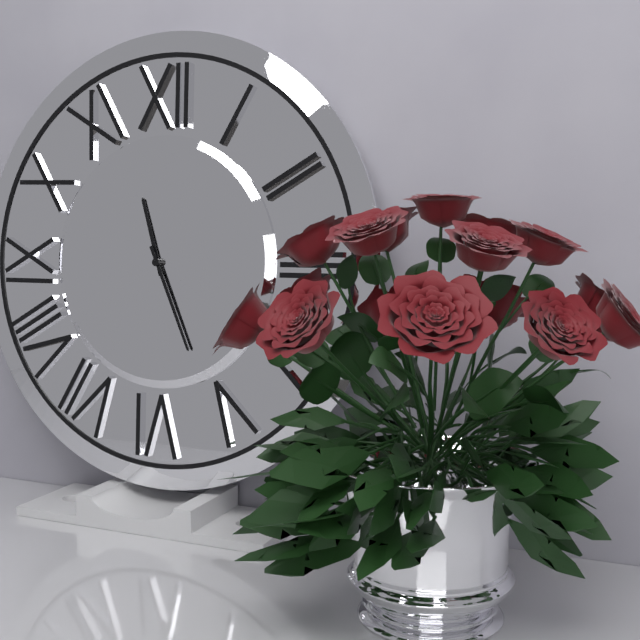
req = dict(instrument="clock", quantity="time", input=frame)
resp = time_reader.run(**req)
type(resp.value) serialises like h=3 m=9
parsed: h=11 m=26
